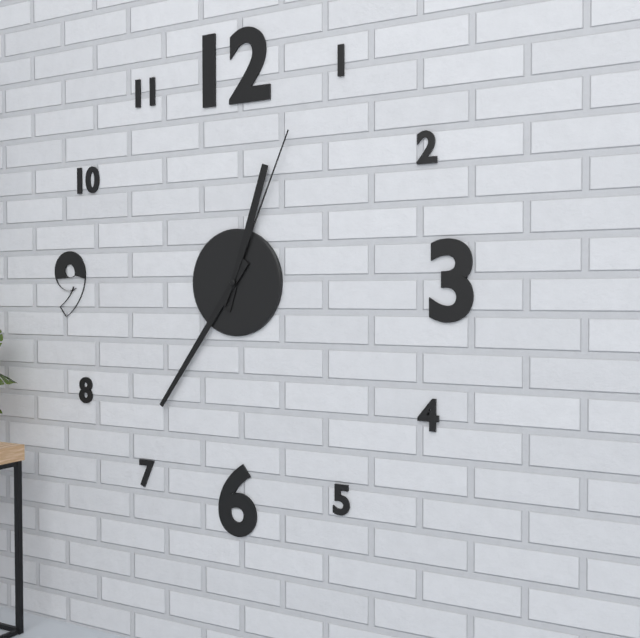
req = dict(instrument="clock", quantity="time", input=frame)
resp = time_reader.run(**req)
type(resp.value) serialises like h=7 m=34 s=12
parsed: h=12 m=36 s=4
